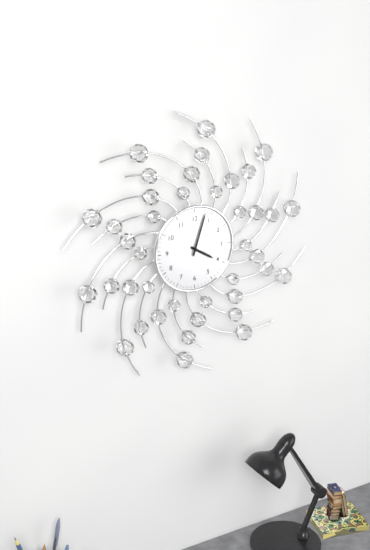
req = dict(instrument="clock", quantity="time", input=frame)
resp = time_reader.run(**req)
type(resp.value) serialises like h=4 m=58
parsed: h=4 m=3
